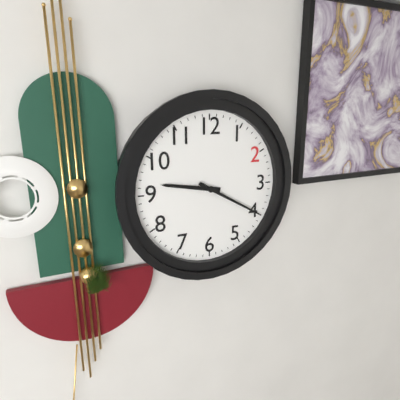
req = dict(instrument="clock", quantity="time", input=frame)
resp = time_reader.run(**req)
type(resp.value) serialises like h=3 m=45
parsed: h=9 m=20
